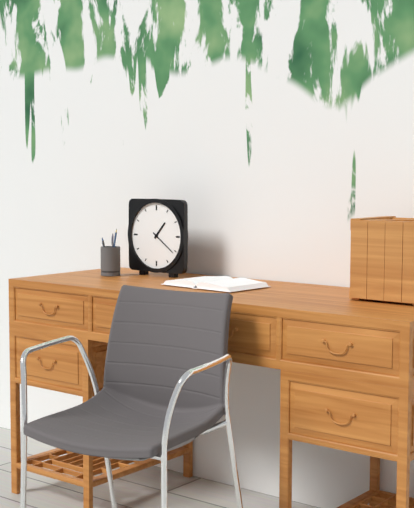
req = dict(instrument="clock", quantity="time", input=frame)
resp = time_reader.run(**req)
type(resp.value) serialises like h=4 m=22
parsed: h=1 m=21
